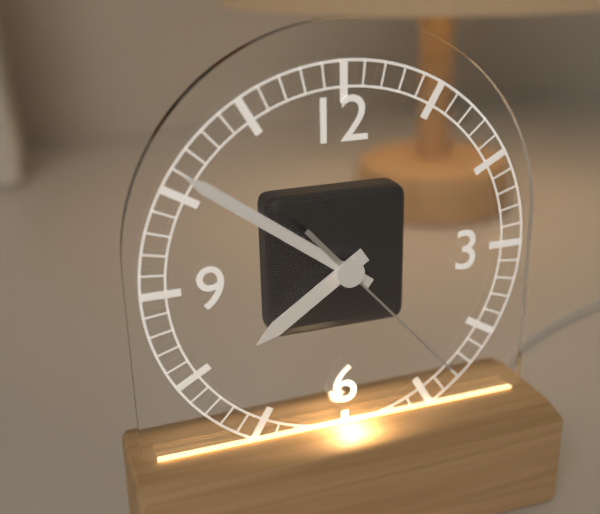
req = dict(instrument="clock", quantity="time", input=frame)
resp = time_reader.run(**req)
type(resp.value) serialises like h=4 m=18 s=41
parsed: h=7 m=51 s=23
